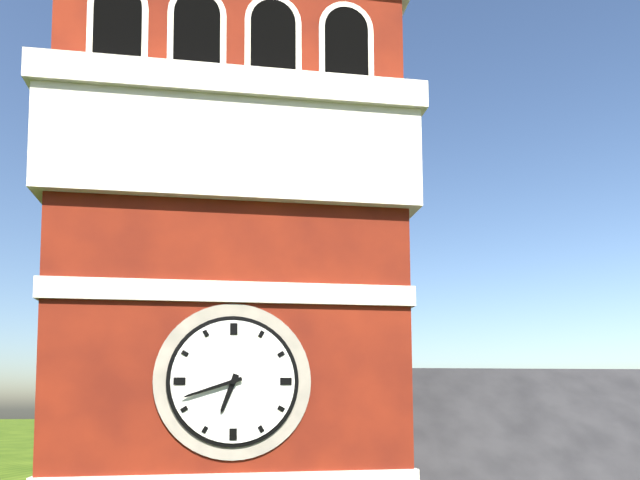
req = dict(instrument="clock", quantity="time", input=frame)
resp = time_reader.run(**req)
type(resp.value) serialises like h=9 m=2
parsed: h=6 m=42
